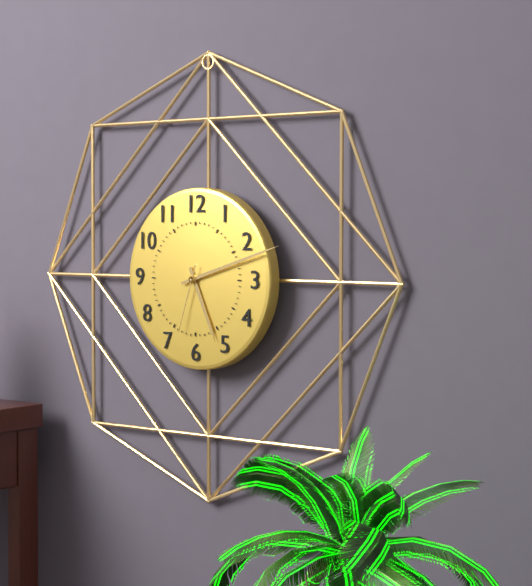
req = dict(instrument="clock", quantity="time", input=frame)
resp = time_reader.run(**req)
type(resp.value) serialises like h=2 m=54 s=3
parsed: h=5 m=12 s=33
